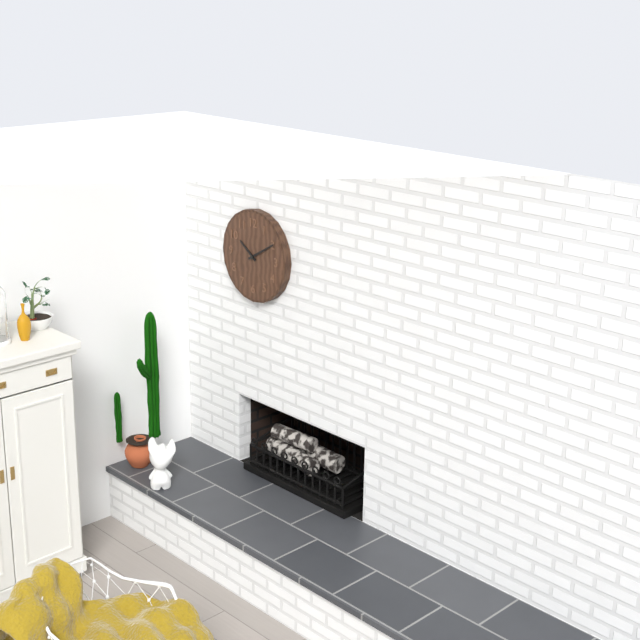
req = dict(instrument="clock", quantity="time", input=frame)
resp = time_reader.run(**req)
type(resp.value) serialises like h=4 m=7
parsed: h=10 m=10
